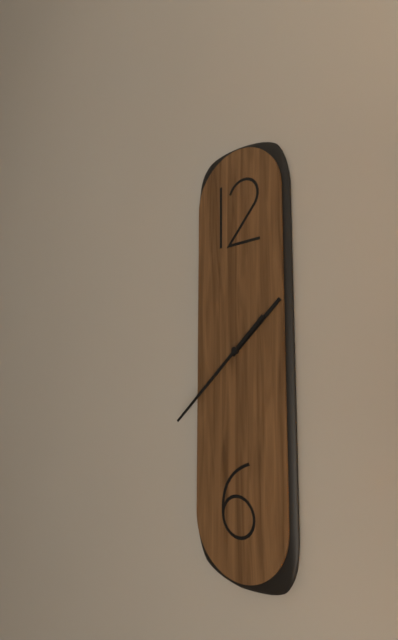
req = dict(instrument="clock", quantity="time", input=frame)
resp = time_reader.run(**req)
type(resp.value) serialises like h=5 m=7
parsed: h=1 m=38
